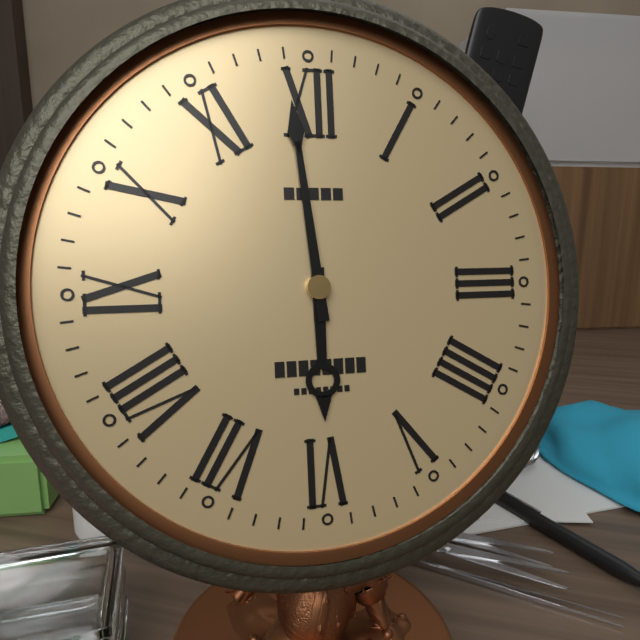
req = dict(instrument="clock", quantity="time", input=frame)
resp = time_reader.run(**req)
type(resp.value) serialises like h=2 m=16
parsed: h=5 m=59
